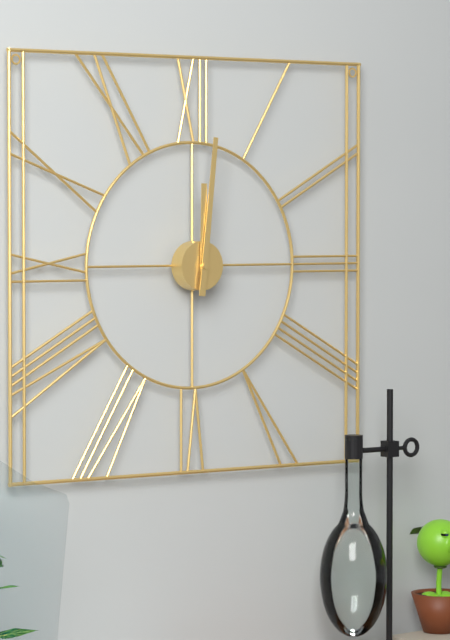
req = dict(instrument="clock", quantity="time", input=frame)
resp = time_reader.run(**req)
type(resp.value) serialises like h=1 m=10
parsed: h=12 m=1
